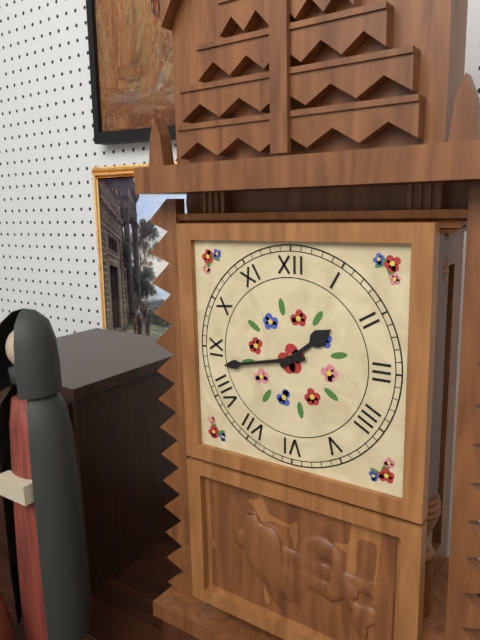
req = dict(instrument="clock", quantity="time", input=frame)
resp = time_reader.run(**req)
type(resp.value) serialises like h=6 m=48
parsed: h=1 m=43
